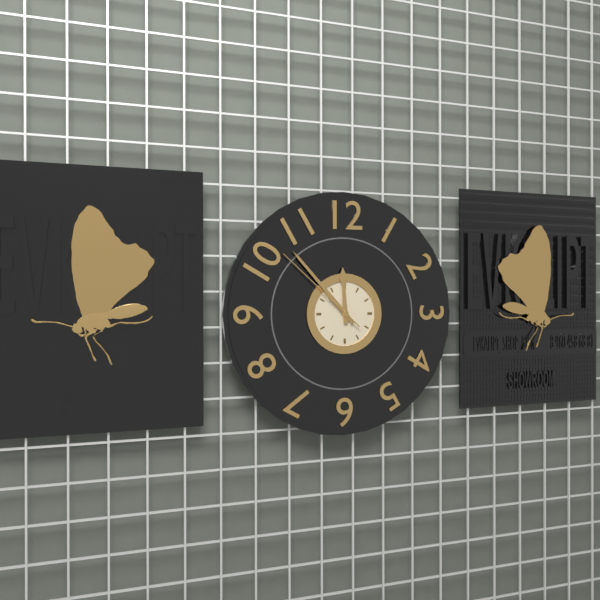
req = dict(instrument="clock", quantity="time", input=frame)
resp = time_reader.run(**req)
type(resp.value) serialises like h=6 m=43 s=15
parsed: h=11 m=53 s=52
